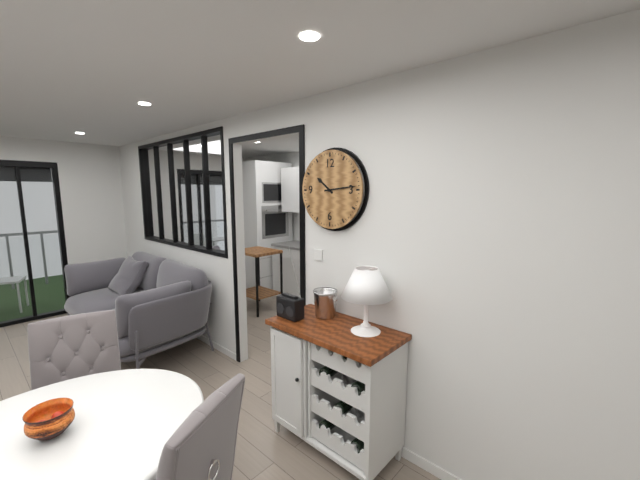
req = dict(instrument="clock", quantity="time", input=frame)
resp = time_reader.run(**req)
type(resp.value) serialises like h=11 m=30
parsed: h=10 m=14
